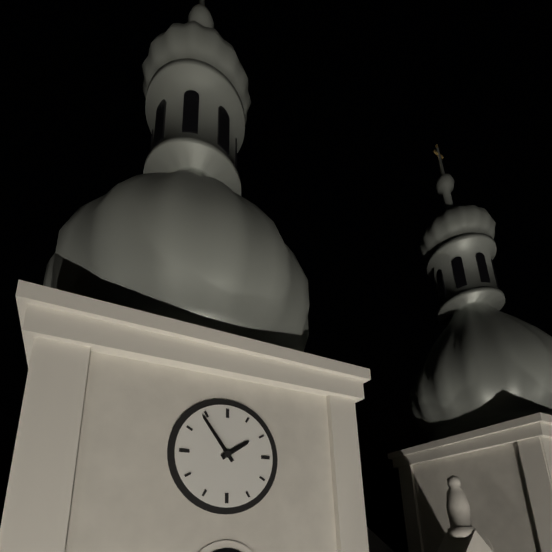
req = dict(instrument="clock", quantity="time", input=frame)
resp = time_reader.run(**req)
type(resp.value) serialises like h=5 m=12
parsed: h=1 m=54
